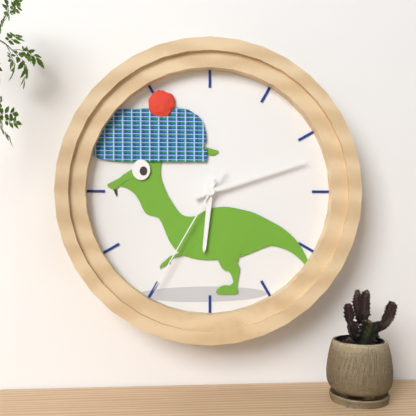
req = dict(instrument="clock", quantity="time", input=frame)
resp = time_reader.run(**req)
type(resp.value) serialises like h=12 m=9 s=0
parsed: h=6 m=12 s=35
